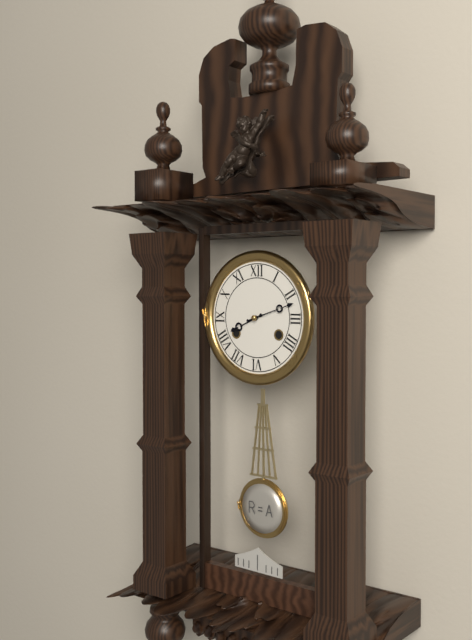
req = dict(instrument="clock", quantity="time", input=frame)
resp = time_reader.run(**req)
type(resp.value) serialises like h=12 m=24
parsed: h=8 m=12
